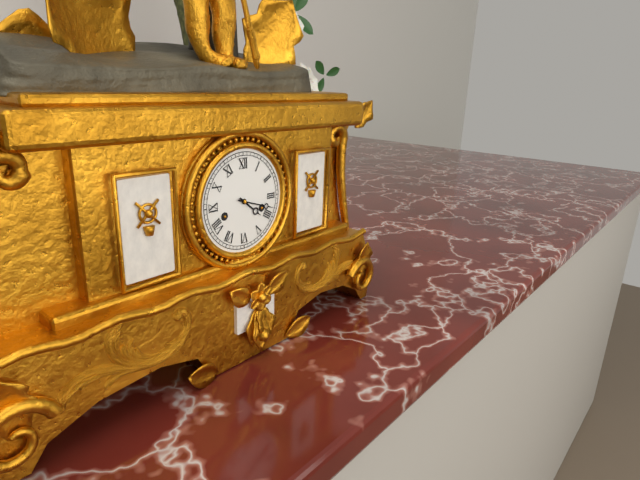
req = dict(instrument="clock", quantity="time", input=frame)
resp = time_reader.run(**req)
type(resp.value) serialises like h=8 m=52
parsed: h=4 m=18
